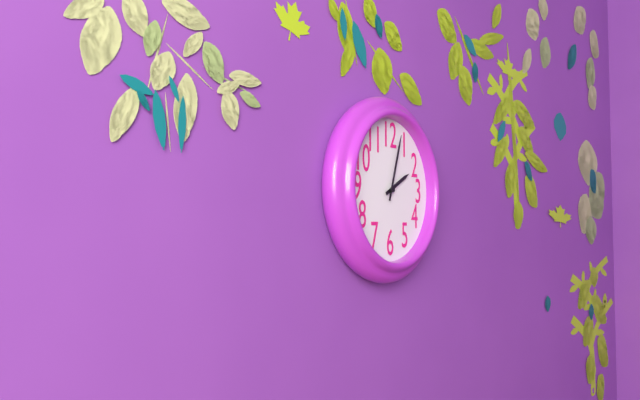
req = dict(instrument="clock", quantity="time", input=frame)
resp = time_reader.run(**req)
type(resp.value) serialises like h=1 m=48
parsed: h=2 m=3
